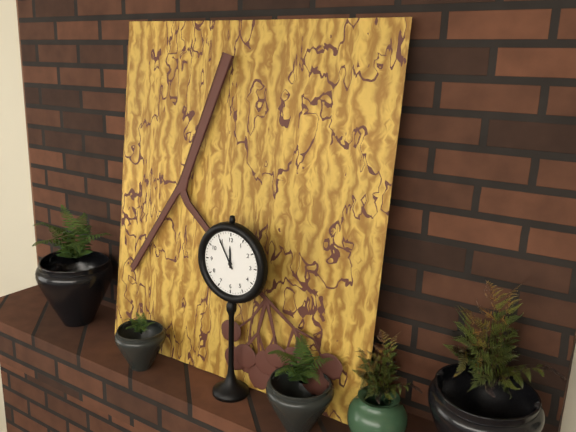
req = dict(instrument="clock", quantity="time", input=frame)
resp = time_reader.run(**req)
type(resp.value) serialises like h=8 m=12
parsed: h=11 m=55
